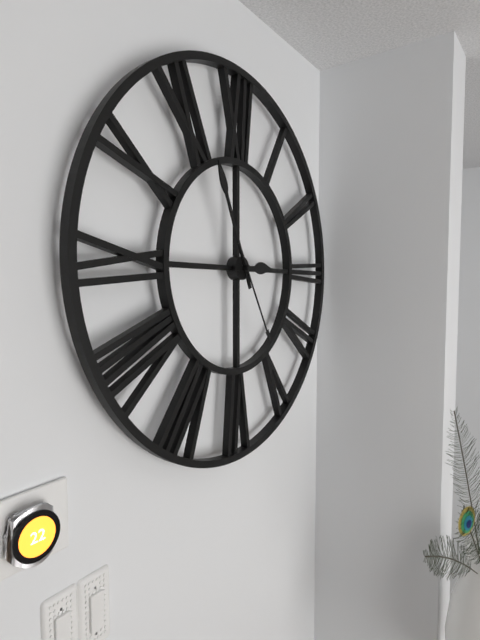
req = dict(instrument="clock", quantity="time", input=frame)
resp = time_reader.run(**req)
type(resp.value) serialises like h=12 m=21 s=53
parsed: h=2 m=56 s=25
